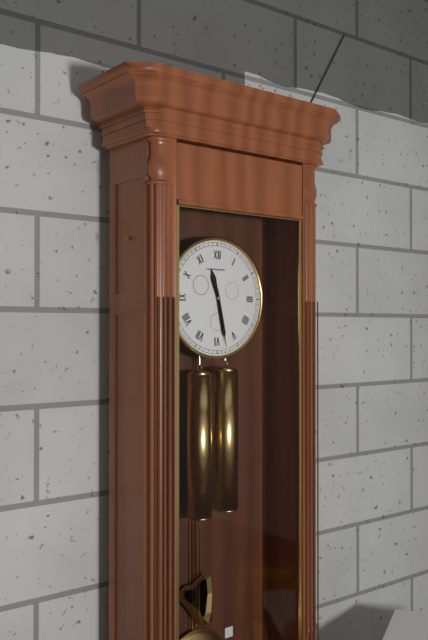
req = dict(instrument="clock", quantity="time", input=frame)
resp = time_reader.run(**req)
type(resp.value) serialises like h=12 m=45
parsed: h=11 m=28
